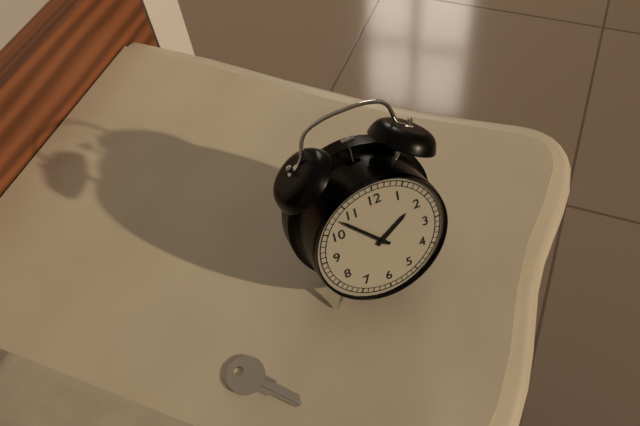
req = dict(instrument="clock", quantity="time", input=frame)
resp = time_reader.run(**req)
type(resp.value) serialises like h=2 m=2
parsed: h=1 m=53
